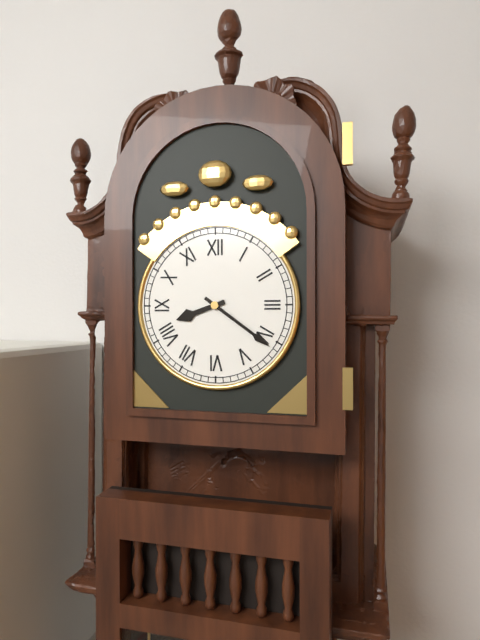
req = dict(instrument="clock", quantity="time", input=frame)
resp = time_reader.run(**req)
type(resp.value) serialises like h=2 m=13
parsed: h=8 m=21
